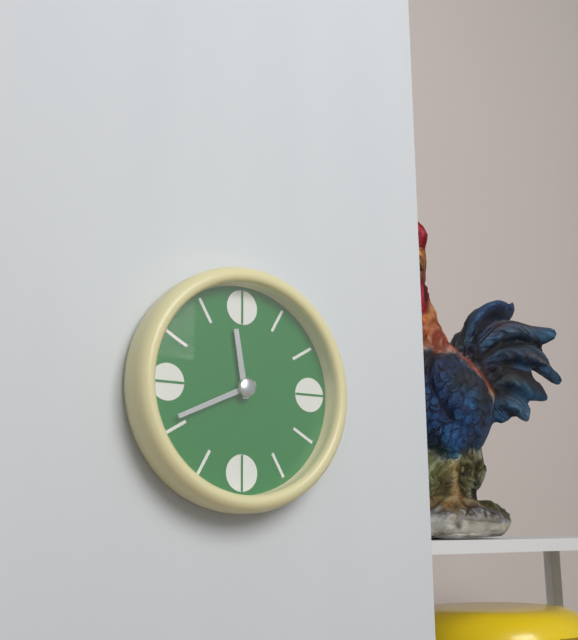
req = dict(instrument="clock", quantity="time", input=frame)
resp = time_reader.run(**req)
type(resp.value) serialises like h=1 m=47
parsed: h=11 m=41
